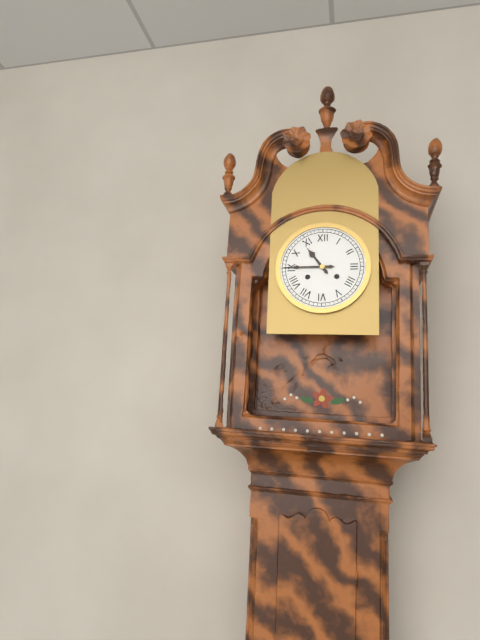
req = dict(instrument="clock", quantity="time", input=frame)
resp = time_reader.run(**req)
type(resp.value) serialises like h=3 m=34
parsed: h=10 m=45
